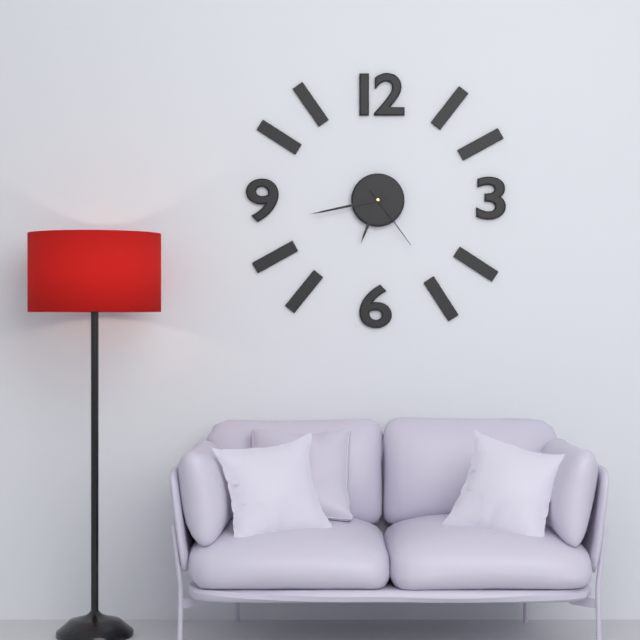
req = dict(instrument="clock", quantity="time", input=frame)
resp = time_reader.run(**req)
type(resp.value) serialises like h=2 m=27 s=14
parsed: h=6 m=43 s=24
